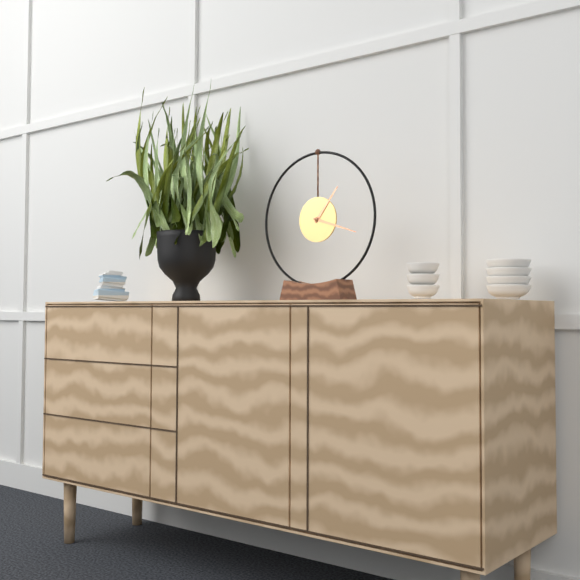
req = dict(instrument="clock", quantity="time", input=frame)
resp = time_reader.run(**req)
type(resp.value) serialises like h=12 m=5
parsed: h=1 m=18
